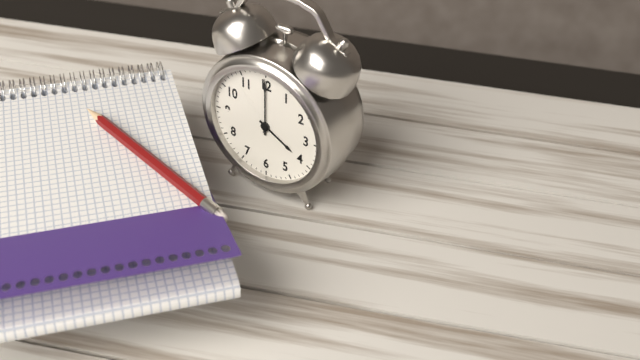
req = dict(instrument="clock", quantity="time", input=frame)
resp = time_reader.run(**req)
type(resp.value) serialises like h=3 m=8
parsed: h=4 m=0
